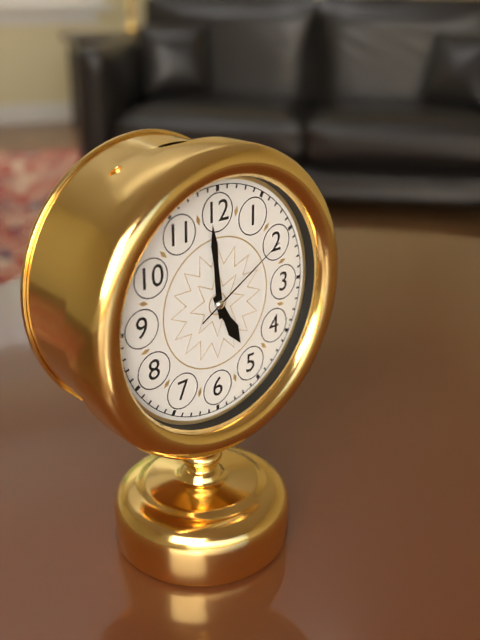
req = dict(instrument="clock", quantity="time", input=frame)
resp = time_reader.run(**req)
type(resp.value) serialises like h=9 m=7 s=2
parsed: h=4 m=59 s=10
